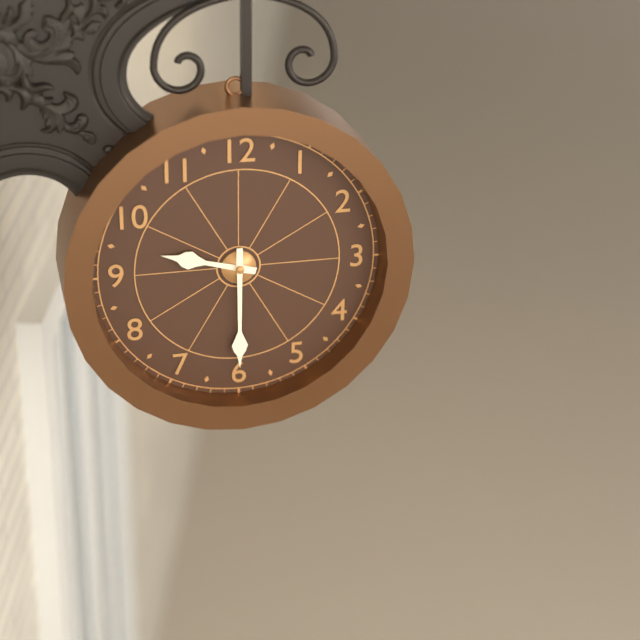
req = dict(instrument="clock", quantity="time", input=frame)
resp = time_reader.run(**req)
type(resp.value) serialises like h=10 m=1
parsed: h=9 m=30
